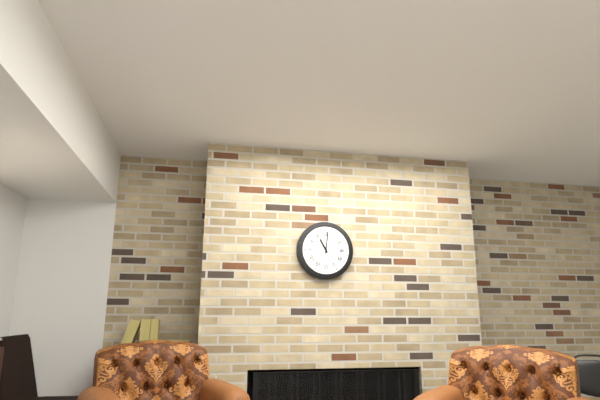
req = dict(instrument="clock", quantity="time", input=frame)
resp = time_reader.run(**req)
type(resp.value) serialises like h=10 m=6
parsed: h=11 m=1
